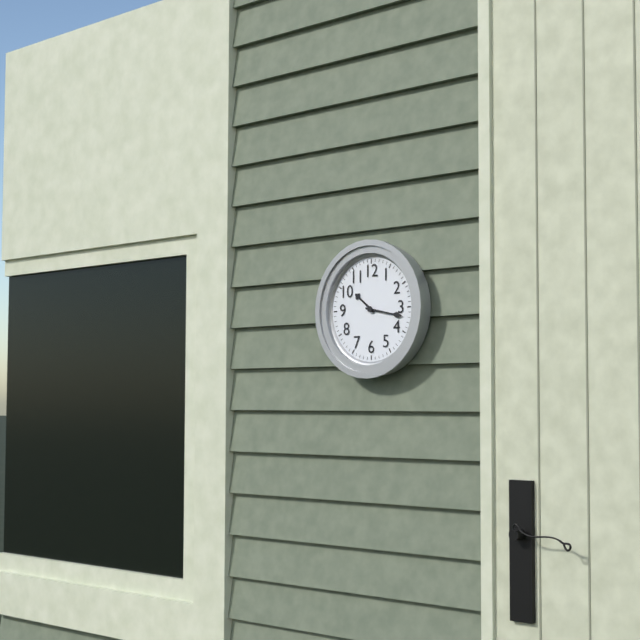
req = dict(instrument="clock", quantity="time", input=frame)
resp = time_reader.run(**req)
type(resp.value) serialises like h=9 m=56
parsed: h=10 m=17
